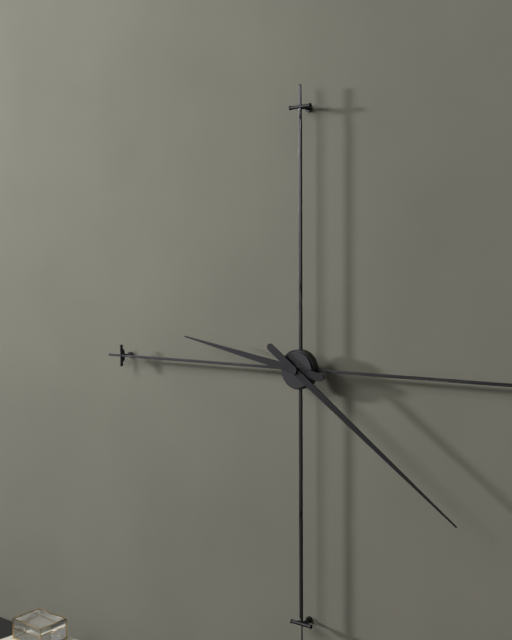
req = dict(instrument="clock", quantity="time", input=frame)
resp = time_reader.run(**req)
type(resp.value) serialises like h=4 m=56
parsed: h=9 m=21
